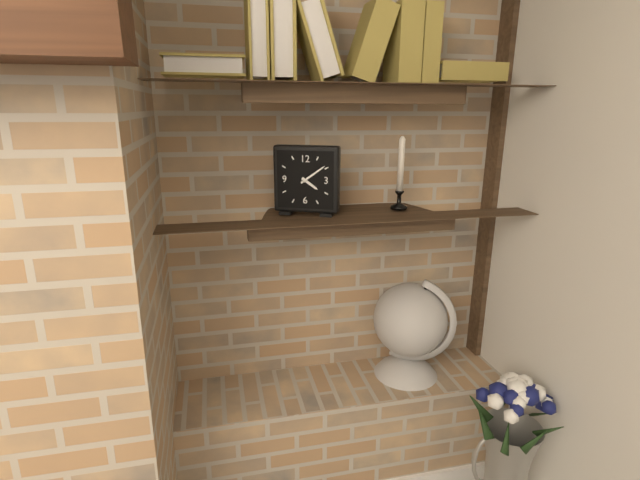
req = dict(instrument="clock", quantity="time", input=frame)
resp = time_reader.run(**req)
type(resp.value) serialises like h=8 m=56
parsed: h=4 m=9
